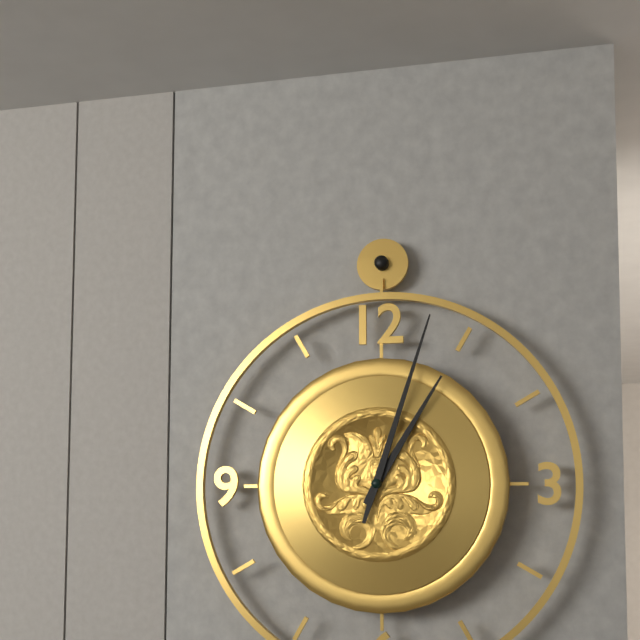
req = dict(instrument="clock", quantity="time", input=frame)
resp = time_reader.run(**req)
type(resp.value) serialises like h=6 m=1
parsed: h=1 m=3
